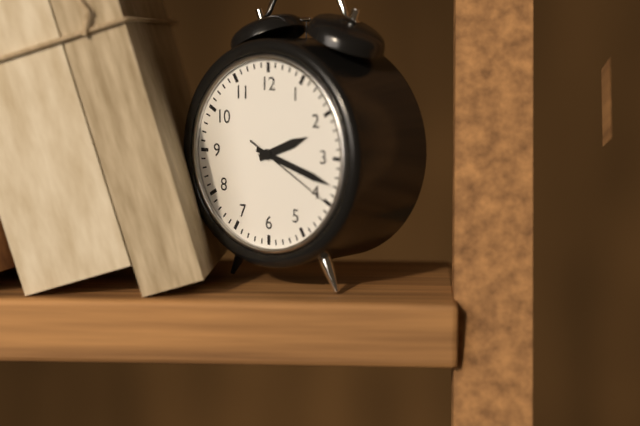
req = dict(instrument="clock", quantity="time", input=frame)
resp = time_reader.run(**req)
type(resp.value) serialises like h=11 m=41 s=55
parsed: h=2 m=18 s=20
